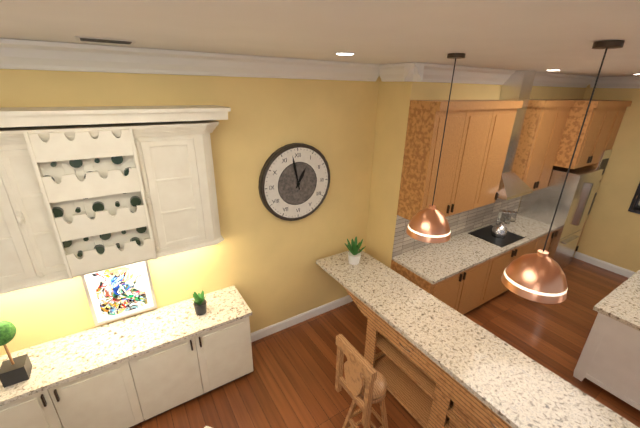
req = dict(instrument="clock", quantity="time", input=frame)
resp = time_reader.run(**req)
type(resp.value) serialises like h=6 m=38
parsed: h=12 m=58
